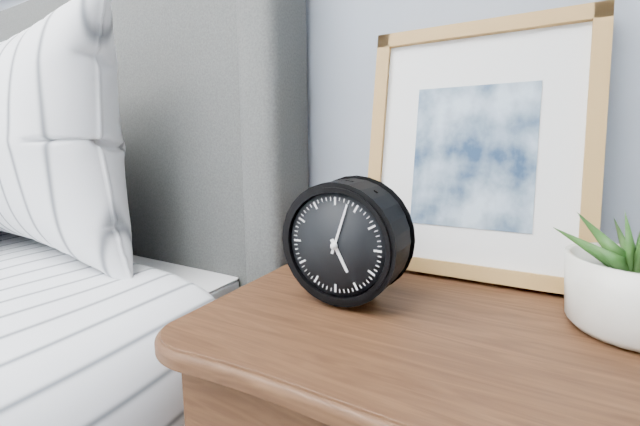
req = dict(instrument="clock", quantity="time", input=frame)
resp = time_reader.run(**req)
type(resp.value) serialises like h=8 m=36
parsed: h=5 m=3
